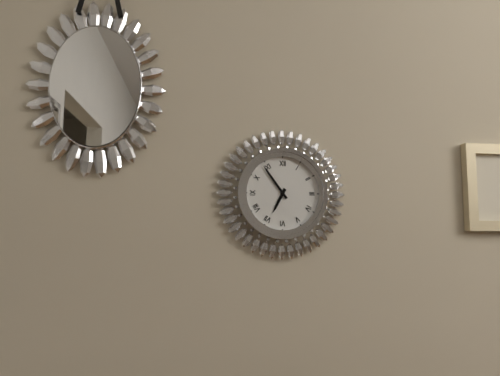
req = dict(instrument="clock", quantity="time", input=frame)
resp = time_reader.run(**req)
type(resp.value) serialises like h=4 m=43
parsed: h=6 m=54
